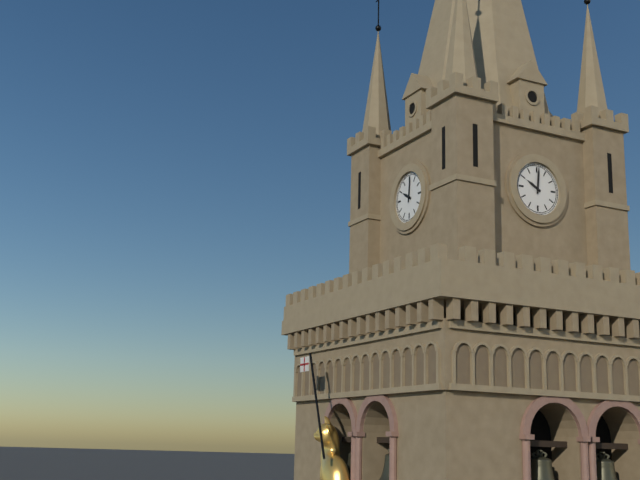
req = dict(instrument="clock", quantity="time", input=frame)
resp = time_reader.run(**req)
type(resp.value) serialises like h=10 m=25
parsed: h=10 m=1
